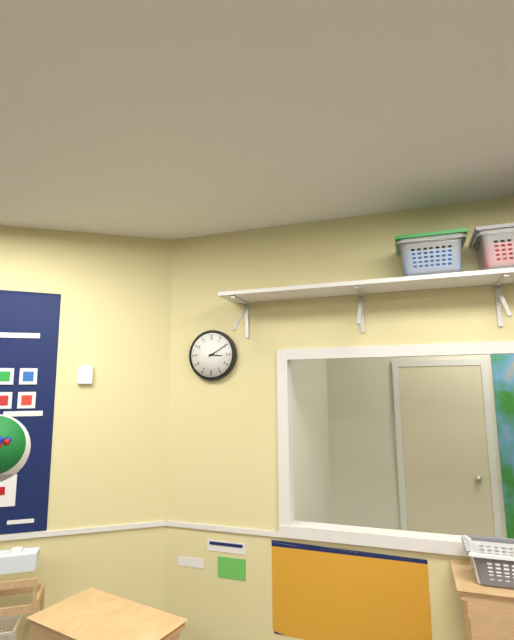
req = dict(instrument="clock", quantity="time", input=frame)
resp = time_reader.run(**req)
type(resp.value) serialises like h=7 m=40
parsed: h=3 m=10
